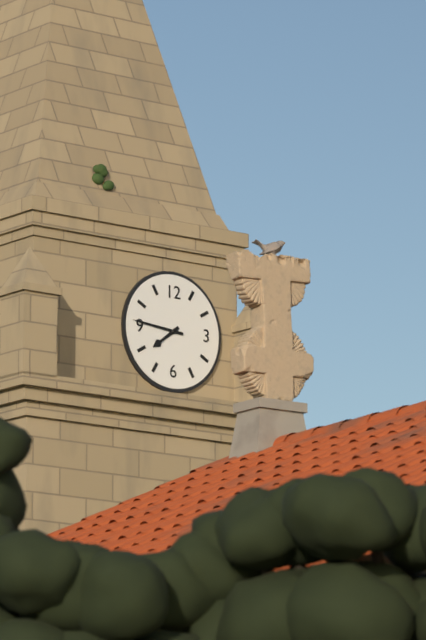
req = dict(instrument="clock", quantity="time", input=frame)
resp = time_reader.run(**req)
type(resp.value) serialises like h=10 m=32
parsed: h=7 m=46
